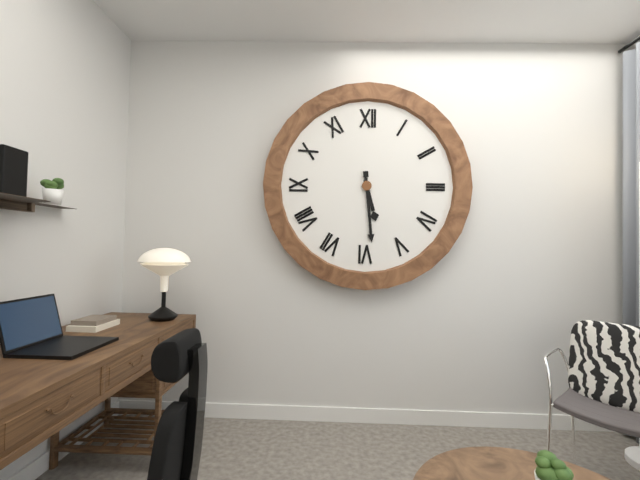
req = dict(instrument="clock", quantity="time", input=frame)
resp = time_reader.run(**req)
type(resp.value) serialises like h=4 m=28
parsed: h=5 m=29
